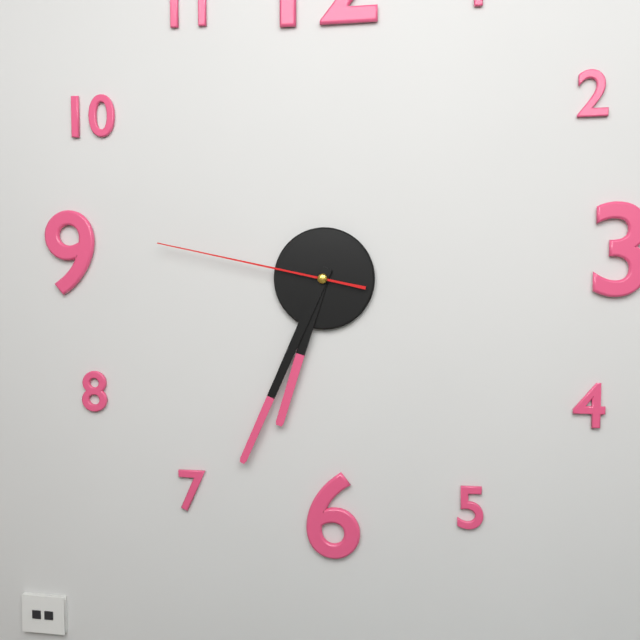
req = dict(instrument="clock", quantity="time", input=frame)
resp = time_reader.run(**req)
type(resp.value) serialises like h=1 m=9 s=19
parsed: h=6 m=34 s=47
